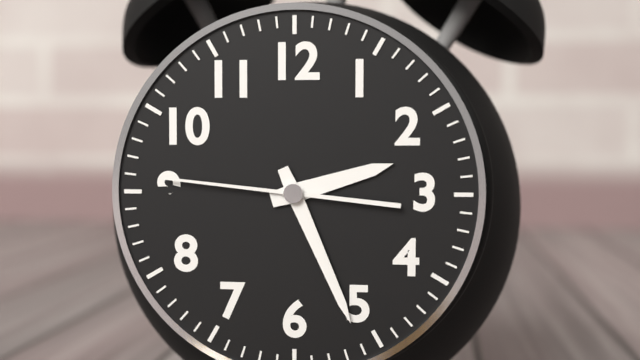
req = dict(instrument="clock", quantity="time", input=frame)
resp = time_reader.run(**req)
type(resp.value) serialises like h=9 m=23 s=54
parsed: h=2 m=26 s=46
